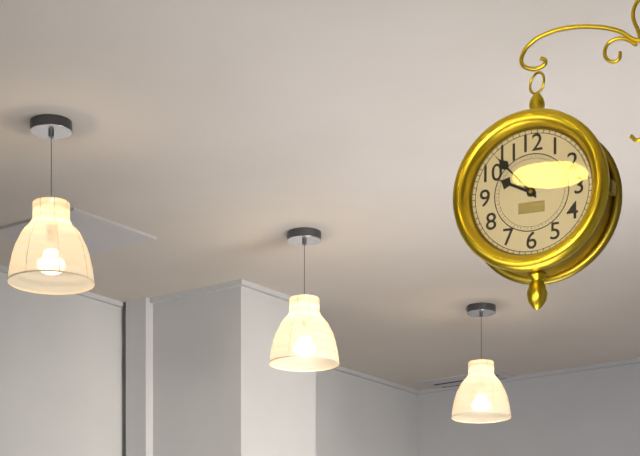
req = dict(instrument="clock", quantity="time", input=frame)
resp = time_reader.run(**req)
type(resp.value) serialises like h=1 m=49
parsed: h=9 m=53
